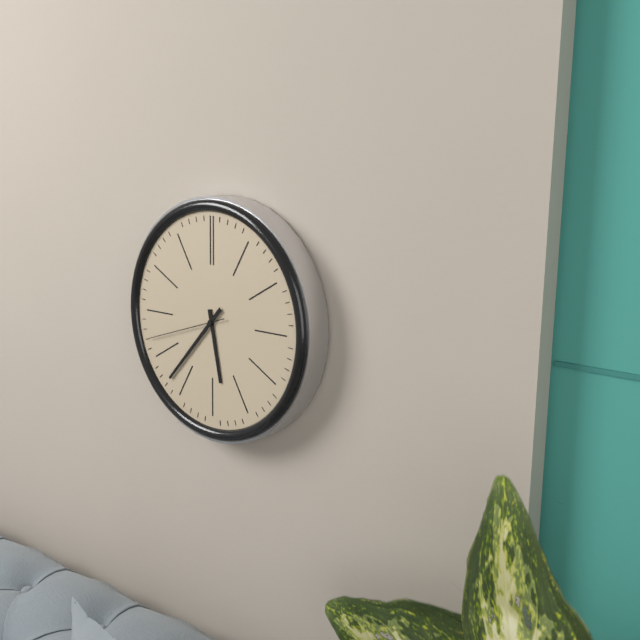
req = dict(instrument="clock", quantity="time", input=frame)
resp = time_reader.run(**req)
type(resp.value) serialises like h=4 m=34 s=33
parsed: h=5 m=37 s=42
